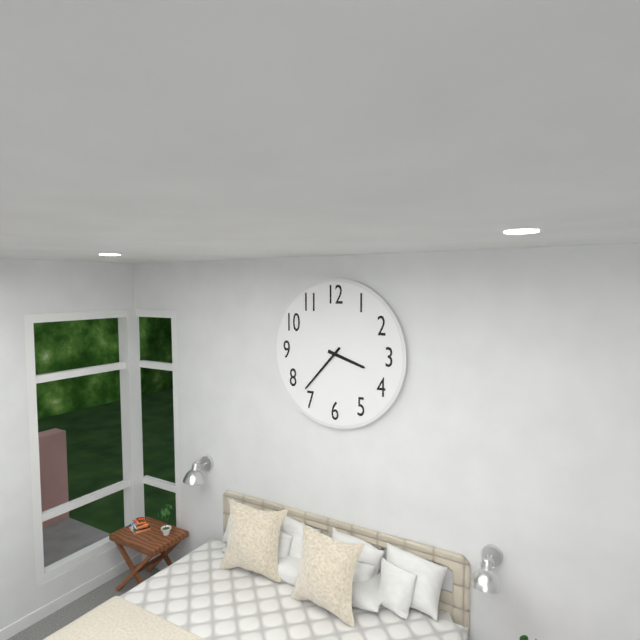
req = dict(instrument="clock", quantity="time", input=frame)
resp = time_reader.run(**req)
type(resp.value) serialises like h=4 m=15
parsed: h=3 m=37
